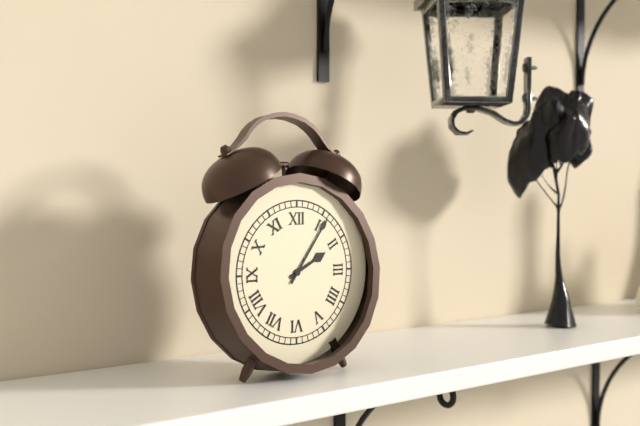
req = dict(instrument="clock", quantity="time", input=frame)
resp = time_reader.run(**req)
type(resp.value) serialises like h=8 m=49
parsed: h=2 m=6
